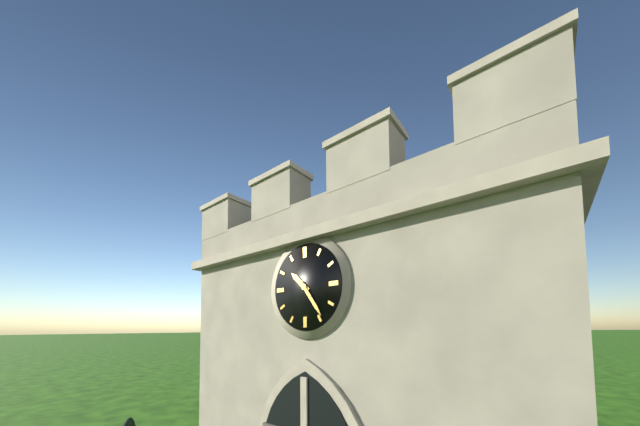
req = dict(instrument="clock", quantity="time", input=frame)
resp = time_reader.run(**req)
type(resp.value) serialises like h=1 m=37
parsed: h=10 m=24
